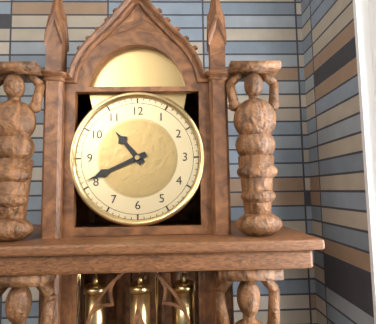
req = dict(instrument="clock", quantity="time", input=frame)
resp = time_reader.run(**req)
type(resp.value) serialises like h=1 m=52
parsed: h=10 m=41
